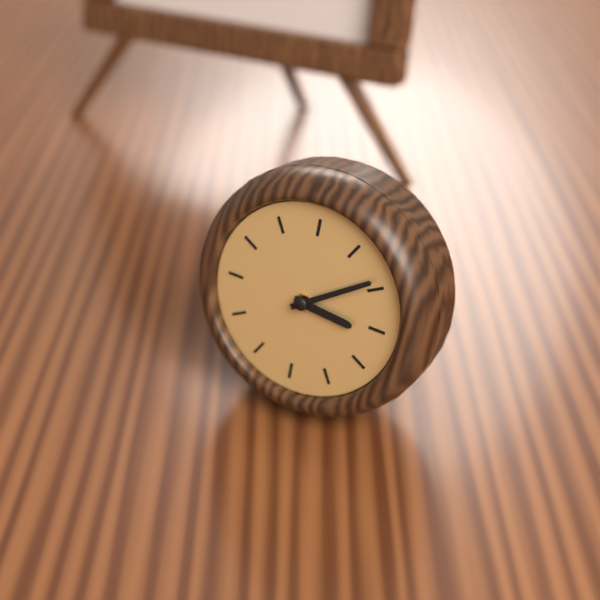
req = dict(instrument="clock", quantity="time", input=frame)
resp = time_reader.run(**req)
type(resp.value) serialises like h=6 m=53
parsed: h=3 m=9
